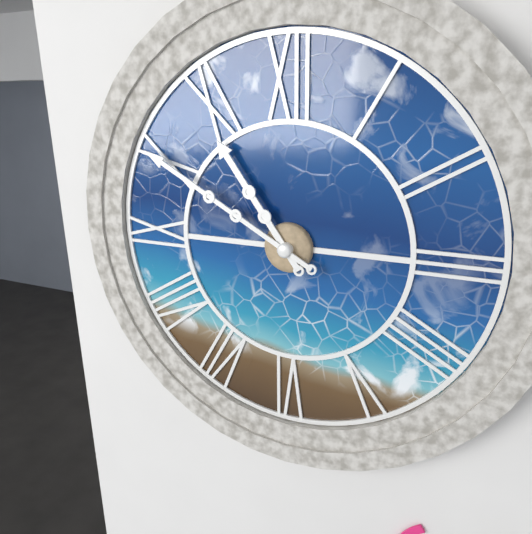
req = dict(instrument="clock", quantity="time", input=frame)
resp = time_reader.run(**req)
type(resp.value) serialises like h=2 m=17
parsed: h=10 m=50
